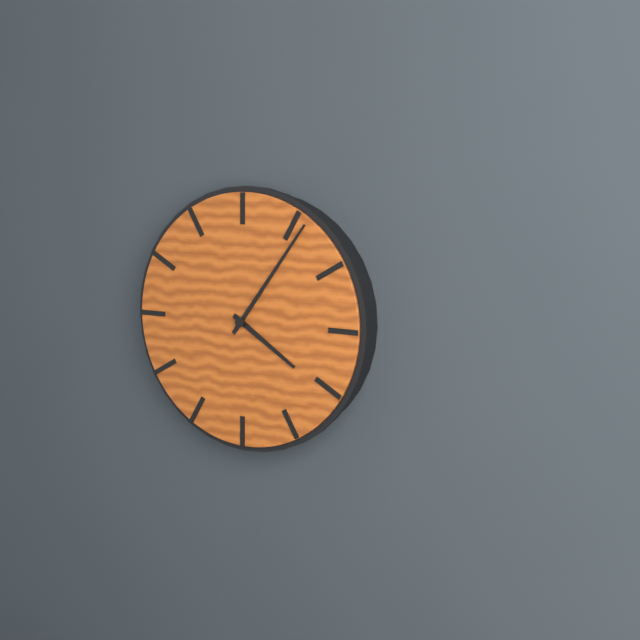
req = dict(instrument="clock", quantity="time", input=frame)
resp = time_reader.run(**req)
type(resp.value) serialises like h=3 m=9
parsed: h=4 m=6
